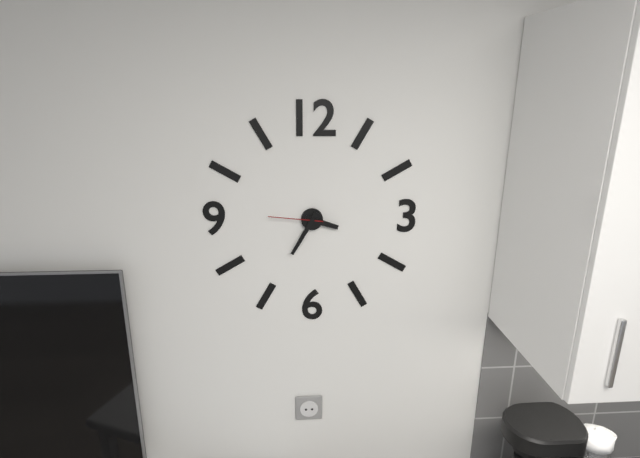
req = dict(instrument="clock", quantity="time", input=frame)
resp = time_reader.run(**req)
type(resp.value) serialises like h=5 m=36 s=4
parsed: h=3 m=35 s=46
